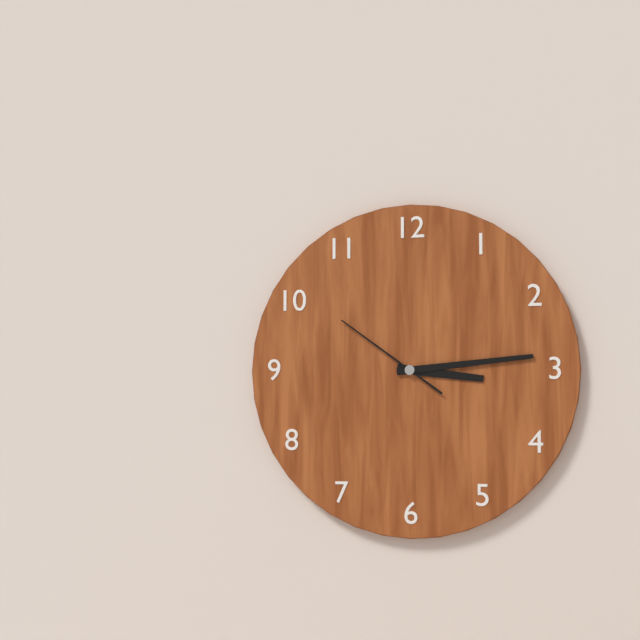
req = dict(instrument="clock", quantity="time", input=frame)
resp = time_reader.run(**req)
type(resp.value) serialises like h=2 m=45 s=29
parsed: h=3 m=14 s=51
